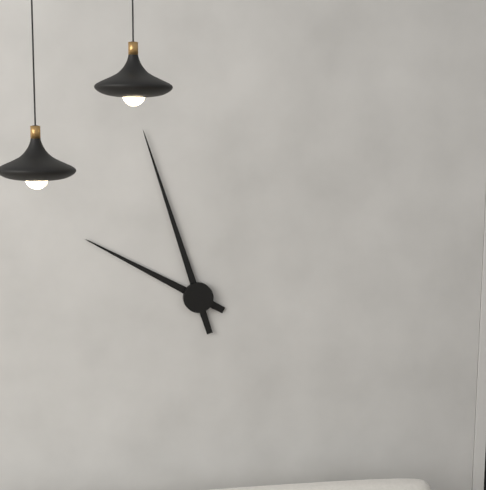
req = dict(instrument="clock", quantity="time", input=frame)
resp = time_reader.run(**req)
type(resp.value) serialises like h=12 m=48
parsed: h=9 m=57
